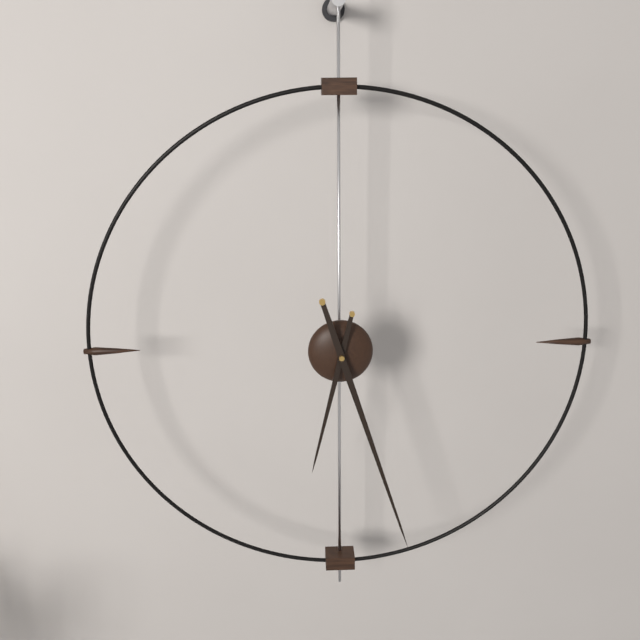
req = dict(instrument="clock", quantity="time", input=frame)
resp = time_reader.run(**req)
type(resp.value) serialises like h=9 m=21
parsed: h=6 m=27
